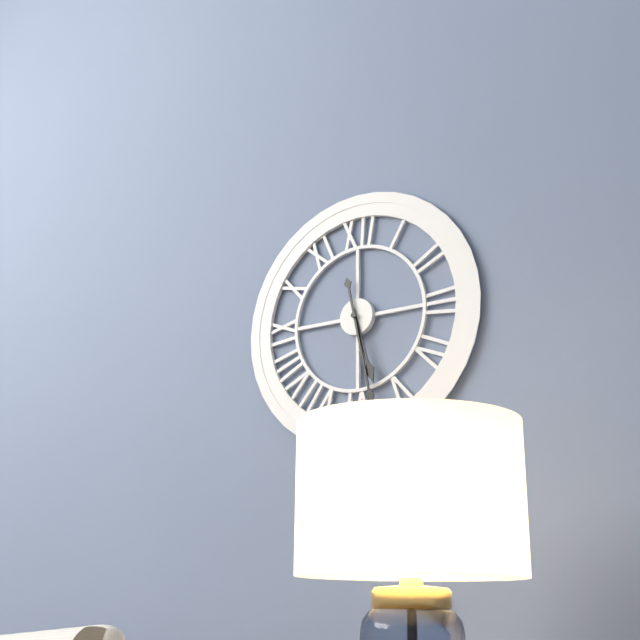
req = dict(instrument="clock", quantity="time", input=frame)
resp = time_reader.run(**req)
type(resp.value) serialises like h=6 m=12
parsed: h=5 m=28
